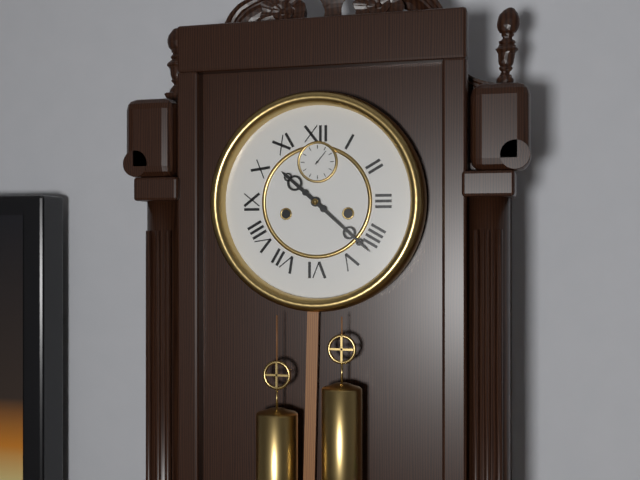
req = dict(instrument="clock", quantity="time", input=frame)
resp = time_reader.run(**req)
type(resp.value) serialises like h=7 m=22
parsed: h=10 m=22
